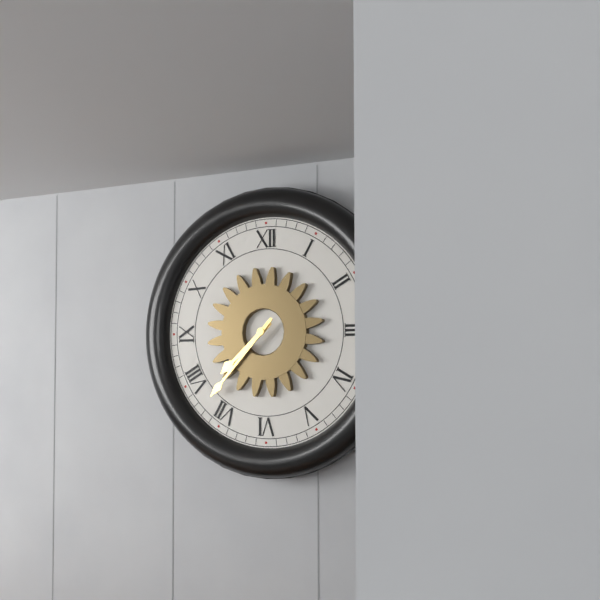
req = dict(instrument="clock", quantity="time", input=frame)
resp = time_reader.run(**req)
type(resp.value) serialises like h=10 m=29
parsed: h=7 m=37
